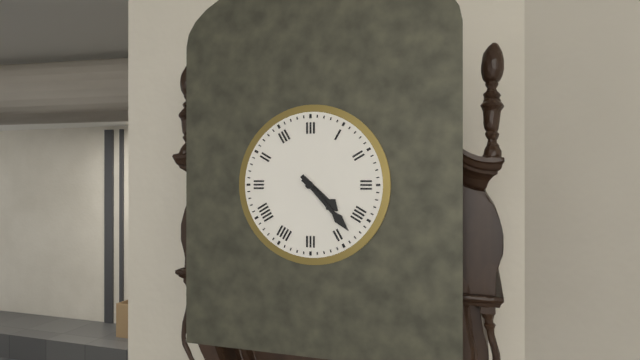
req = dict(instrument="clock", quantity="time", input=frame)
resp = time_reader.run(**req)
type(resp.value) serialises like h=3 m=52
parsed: h=4 m=23
